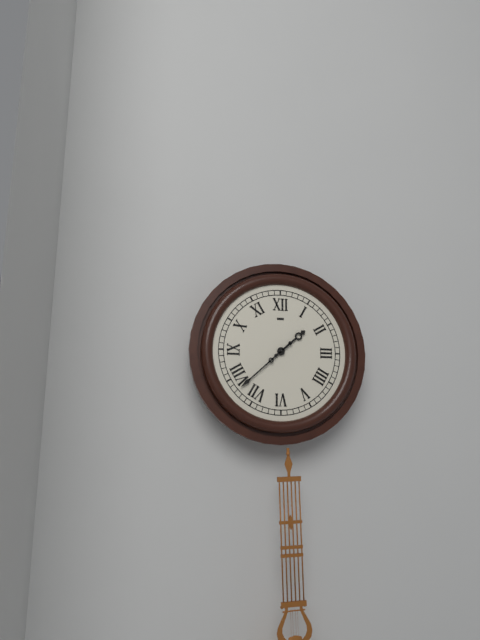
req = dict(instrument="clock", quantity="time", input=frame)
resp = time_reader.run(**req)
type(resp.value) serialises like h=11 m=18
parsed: h=1 m=38
